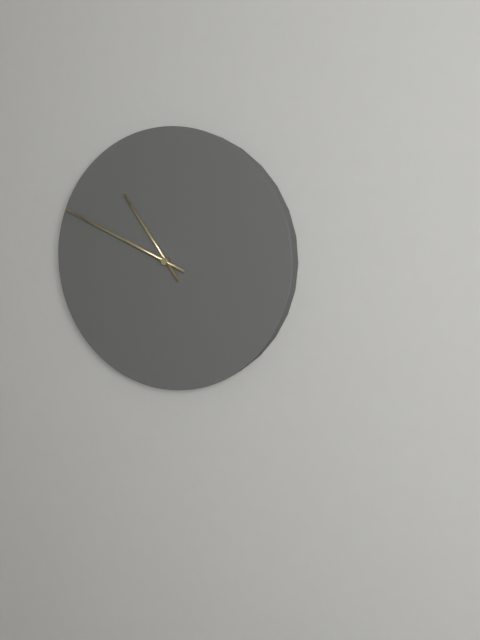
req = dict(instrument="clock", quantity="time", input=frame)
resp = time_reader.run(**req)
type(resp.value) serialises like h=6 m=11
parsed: h=10 m=49
